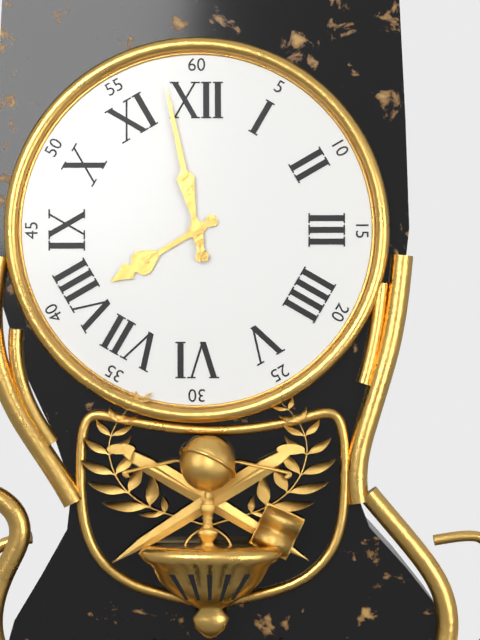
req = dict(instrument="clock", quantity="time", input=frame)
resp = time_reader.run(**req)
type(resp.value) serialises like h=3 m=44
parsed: h=7 m=58
